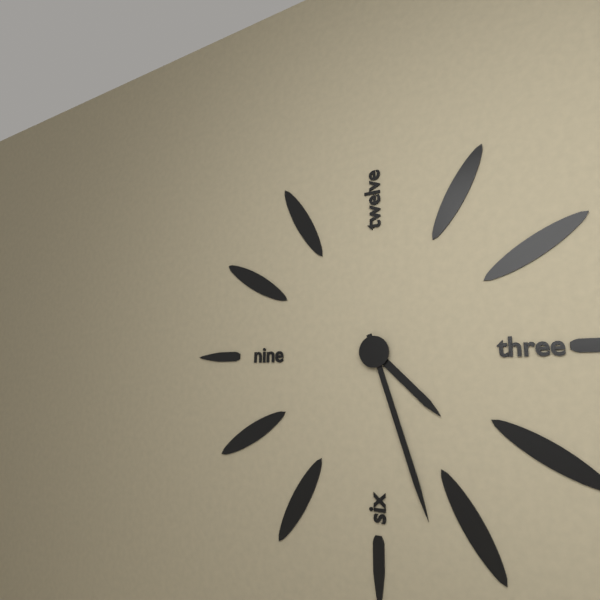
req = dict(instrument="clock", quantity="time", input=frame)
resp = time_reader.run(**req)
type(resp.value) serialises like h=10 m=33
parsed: h=4 m=27
